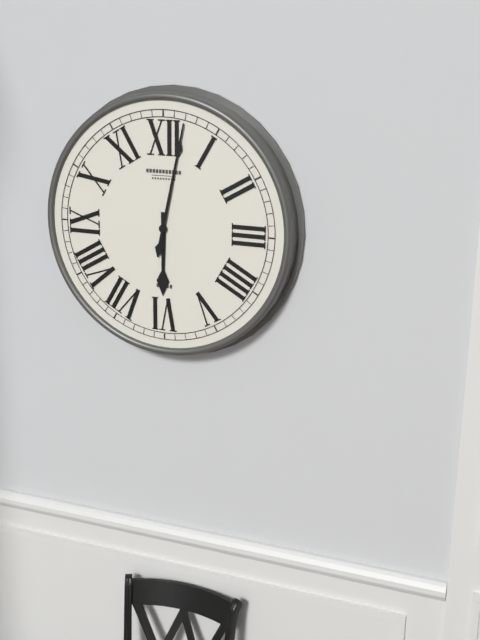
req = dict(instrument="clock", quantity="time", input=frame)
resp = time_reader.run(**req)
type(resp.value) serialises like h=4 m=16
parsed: h=6 m=2
